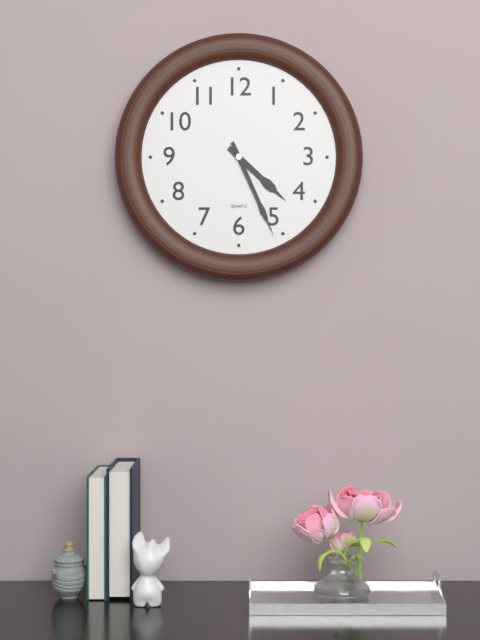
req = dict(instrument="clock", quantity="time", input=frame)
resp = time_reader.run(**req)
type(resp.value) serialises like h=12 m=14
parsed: h=4 m=26
